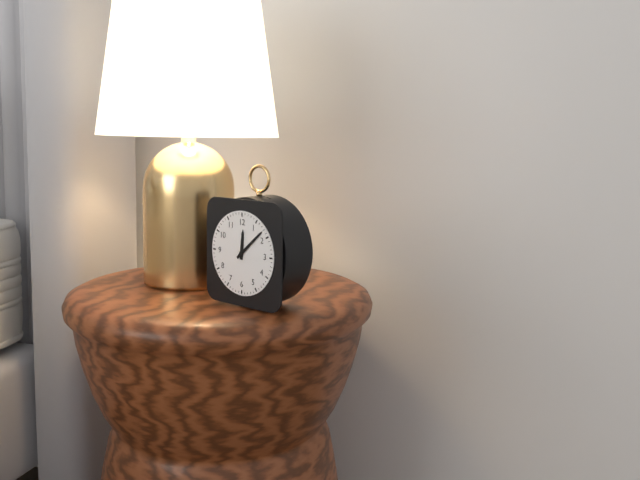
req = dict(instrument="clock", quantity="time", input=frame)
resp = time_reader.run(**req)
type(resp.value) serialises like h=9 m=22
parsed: h=12 m=8
